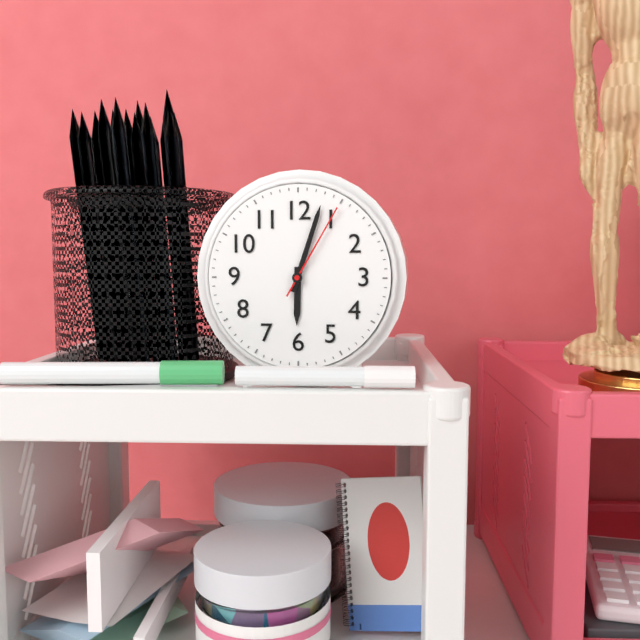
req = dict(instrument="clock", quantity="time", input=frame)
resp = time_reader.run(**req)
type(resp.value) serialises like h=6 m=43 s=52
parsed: h=6 m=3 s=5
